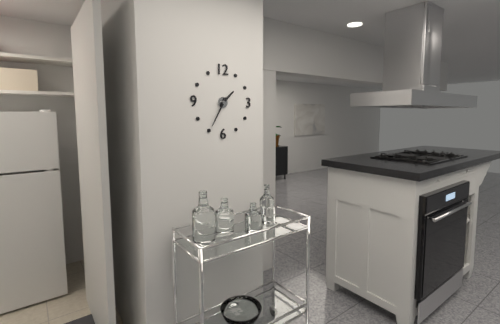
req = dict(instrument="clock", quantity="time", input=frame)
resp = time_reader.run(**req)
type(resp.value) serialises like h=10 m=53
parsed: h=1 m=35
